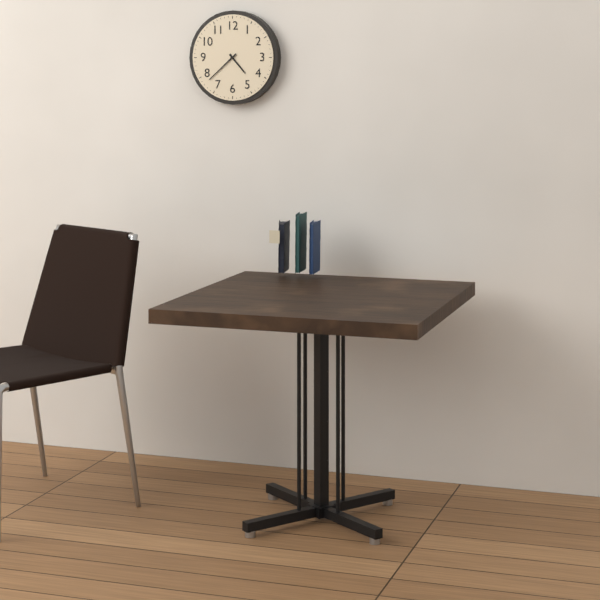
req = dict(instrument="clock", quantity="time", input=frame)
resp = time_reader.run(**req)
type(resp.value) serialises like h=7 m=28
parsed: h=4 m=38
